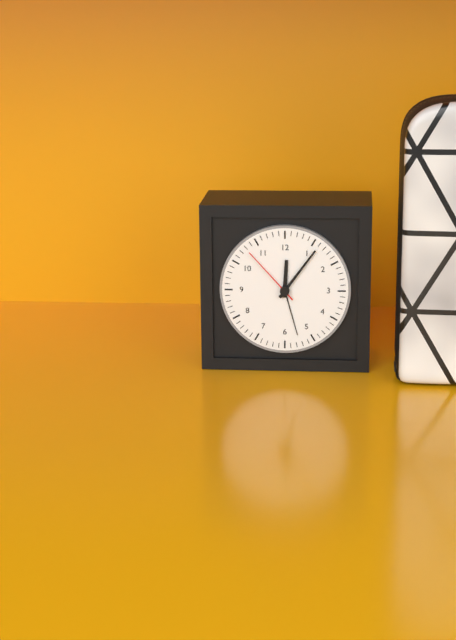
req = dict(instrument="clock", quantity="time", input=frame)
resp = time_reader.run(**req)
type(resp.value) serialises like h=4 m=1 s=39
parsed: h=12 m=6 s=53
